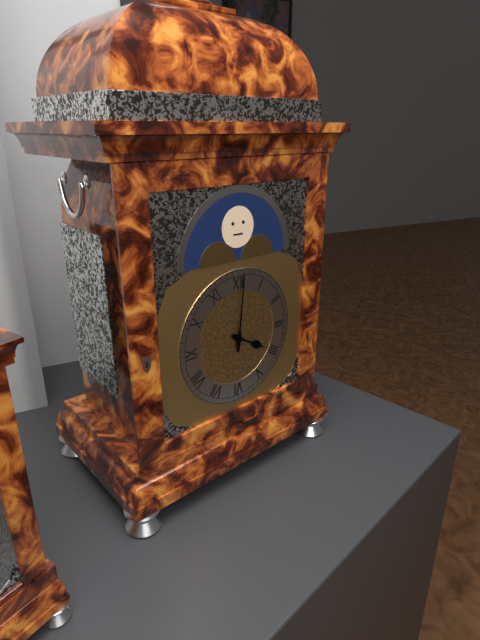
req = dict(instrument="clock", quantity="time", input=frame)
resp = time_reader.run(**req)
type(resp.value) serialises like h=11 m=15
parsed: h=4 m=1
